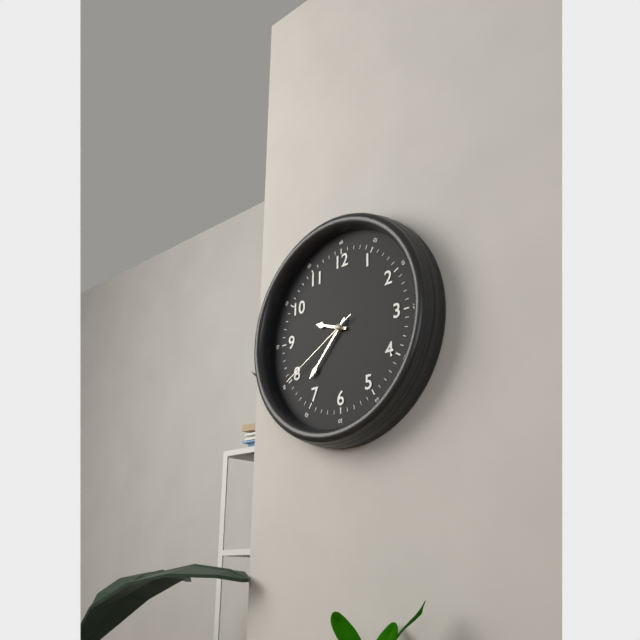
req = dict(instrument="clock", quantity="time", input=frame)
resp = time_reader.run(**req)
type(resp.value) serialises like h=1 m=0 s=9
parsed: h=9 m=37 s=40
